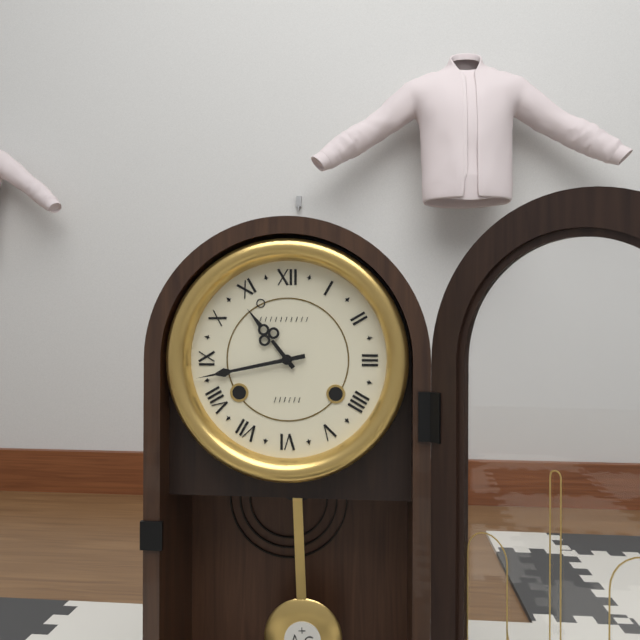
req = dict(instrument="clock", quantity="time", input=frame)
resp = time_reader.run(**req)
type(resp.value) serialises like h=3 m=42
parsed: h=10 m=43
